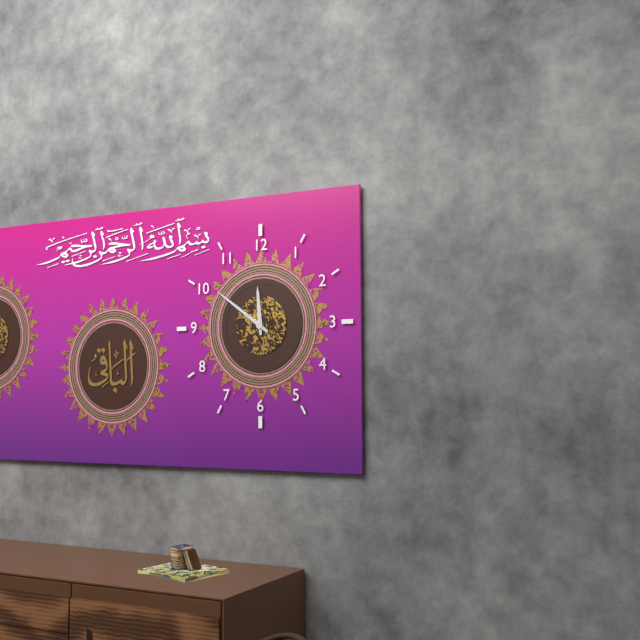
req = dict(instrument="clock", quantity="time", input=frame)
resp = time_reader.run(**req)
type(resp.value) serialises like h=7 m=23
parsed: h=11 m=51
